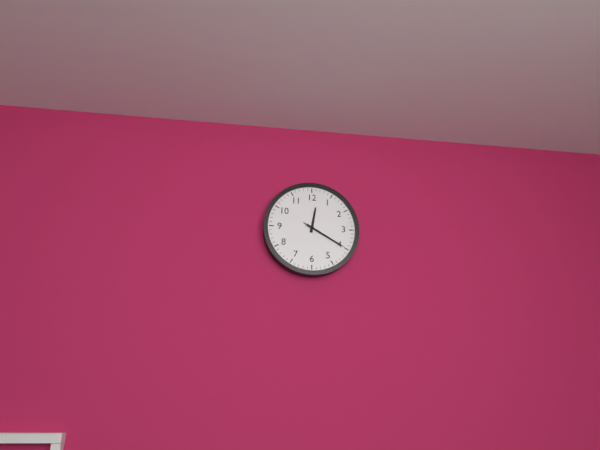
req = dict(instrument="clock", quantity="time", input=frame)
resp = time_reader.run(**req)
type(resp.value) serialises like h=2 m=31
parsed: h=12 m=20
